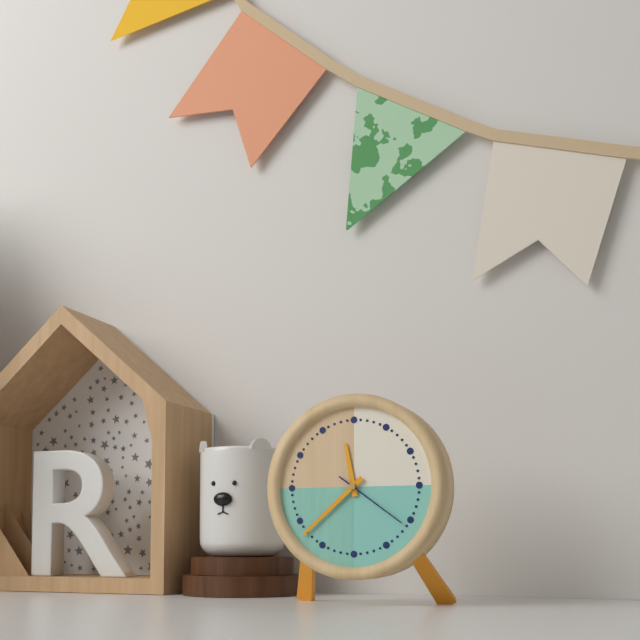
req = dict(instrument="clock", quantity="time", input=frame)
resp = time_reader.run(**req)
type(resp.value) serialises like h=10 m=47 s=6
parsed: h=11 m=38 s=21
